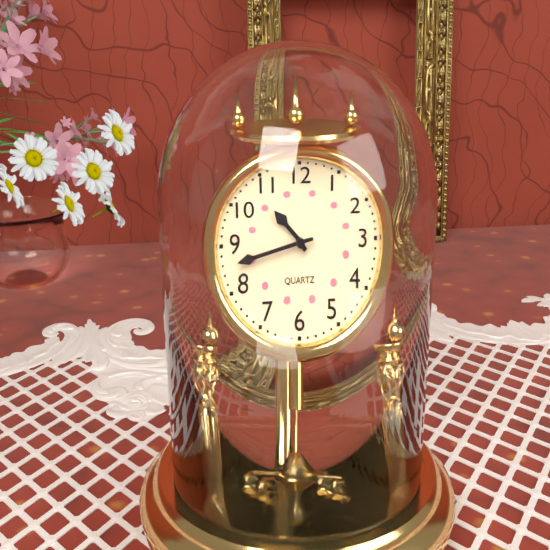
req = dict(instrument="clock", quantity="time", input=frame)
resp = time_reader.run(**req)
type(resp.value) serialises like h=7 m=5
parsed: h=10 m=43
